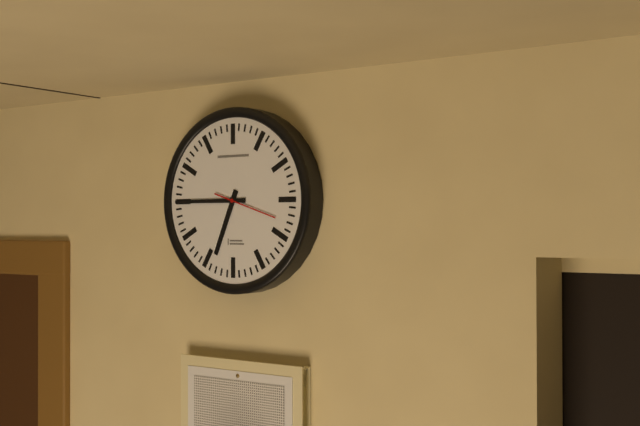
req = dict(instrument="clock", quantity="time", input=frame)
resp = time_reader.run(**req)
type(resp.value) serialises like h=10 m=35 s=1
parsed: h=6 m=45 s=18
